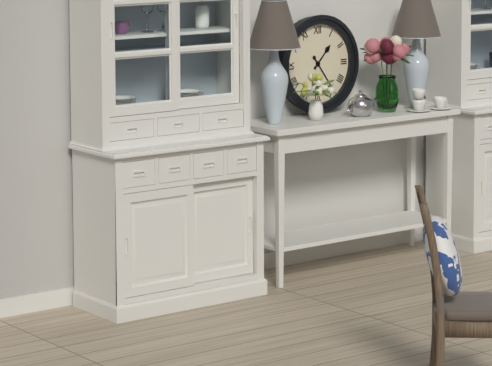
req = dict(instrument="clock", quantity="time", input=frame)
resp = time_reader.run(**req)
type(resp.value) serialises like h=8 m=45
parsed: h=1 m=24
